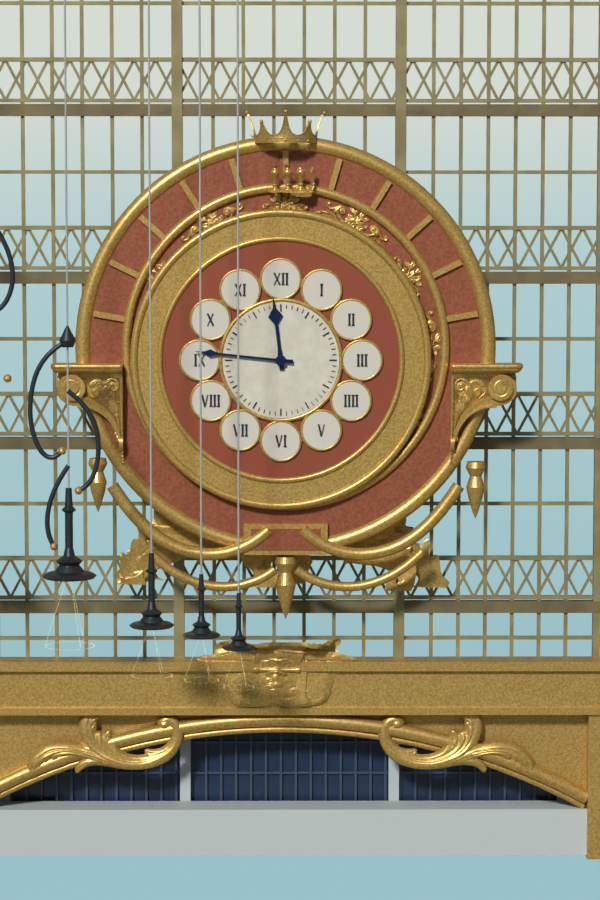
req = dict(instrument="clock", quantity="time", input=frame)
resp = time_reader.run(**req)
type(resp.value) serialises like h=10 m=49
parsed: h=11 m=46
